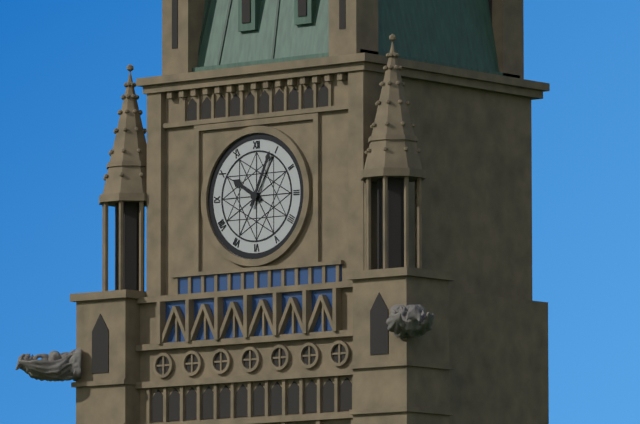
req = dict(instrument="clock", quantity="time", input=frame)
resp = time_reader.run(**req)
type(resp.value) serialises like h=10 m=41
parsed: h=10 m=4
